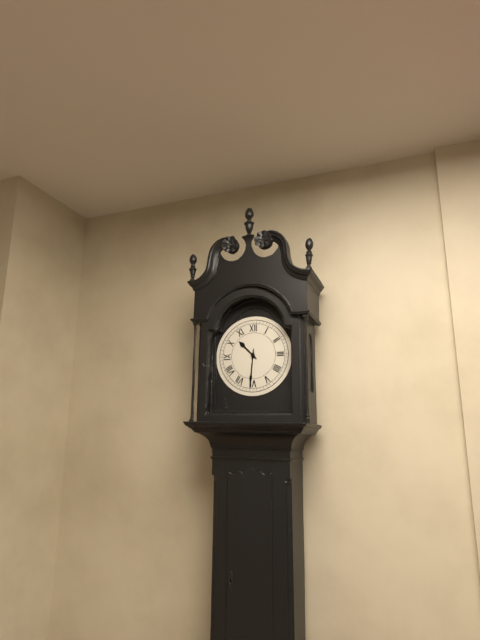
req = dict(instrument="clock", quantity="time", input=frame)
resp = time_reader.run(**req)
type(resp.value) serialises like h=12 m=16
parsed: h=10 m=31
